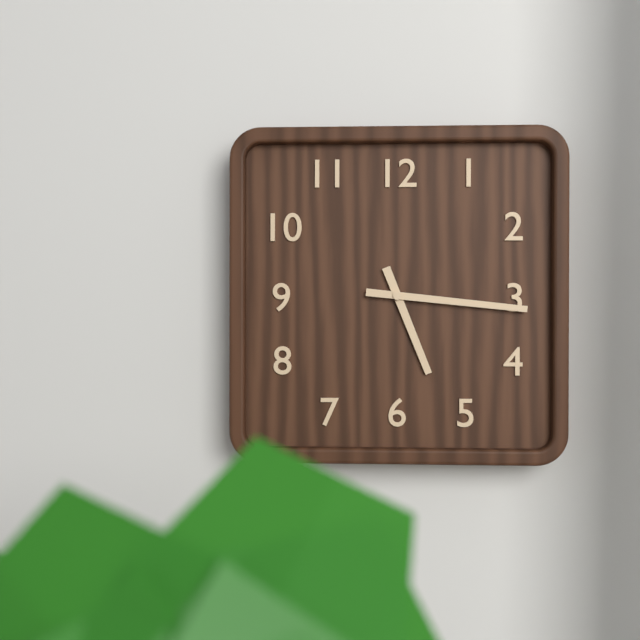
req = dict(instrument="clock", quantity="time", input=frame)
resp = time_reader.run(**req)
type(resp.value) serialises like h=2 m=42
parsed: h=5 m=16
